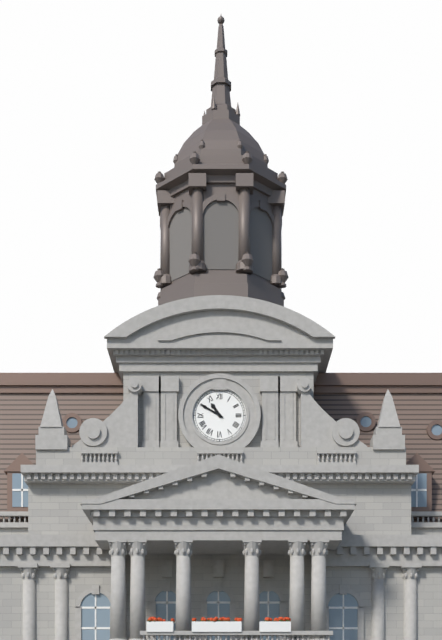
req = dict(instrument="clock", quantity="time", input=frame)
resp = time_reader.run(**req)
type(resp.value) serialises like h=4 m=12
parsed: h=10 m=50
